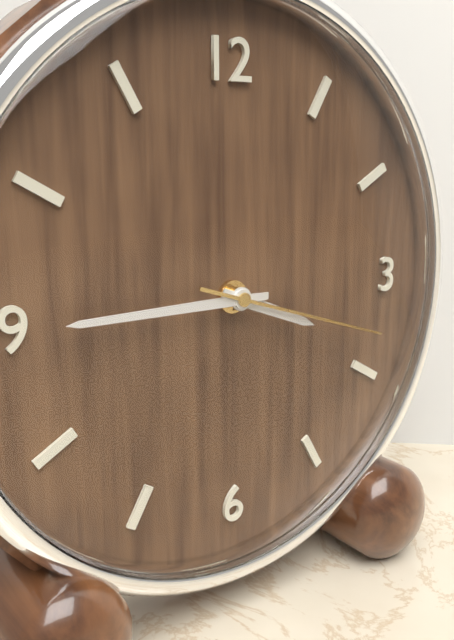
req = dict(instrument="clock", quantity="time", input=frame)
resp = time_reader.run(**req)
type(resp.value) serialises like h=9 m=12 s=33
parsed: h=3 m=45 s=18
